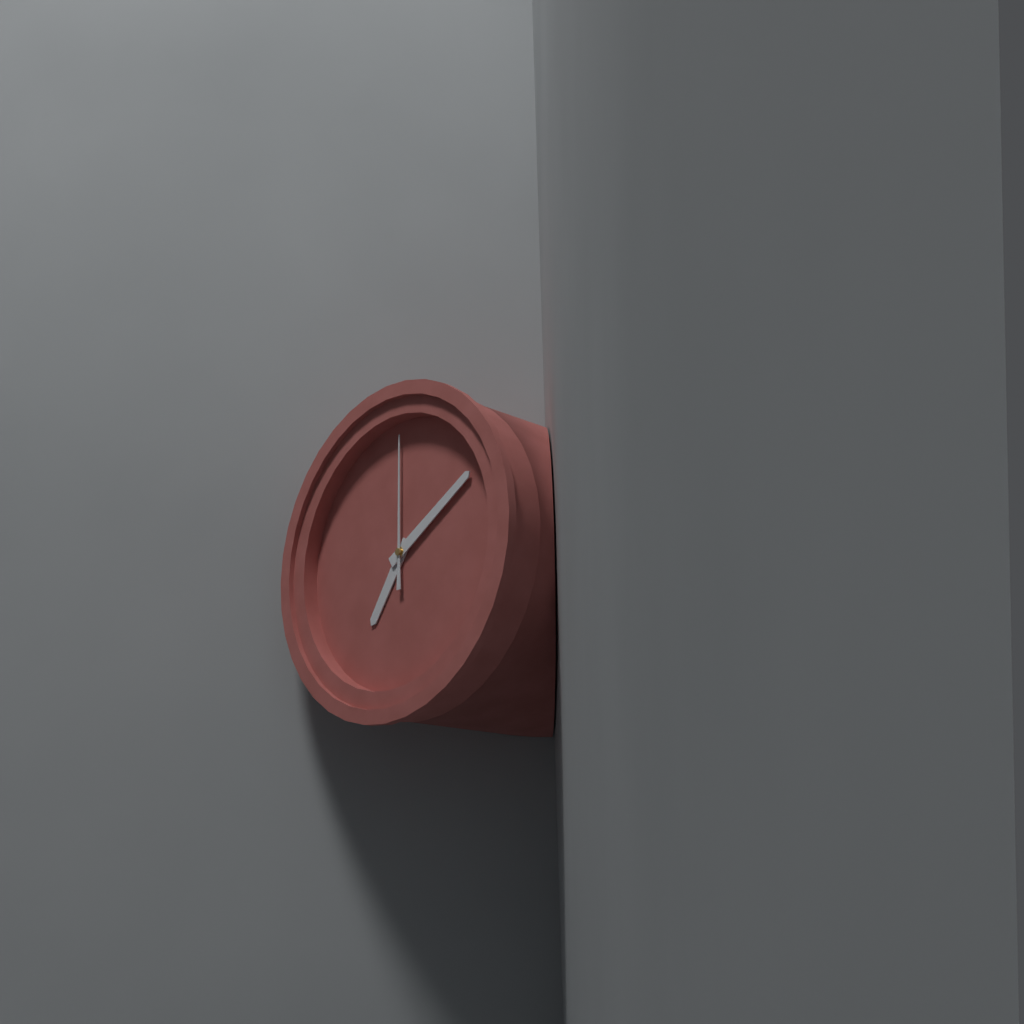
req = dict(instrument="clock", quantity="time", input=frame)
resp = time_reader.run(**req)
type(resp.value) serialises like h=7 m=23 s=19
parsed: h=7 m=10 s=0
